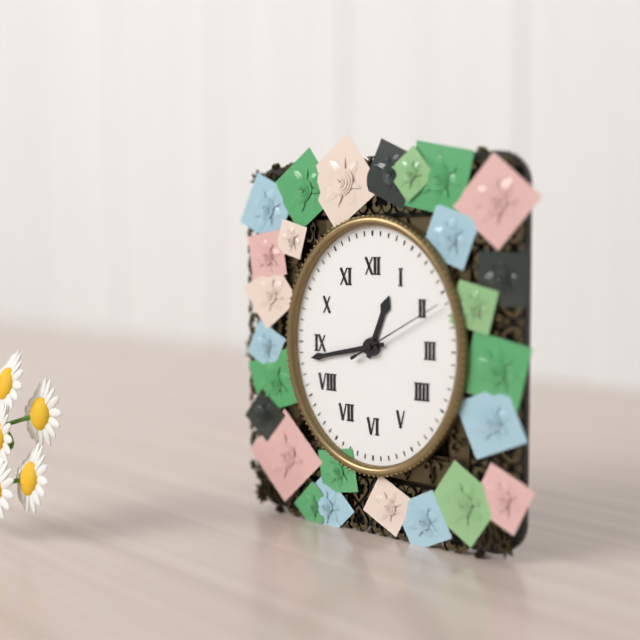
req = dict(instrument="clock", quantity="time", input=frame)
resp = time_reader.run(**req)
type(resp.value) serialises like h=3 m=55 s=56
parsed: h=12 m=43 s=10
